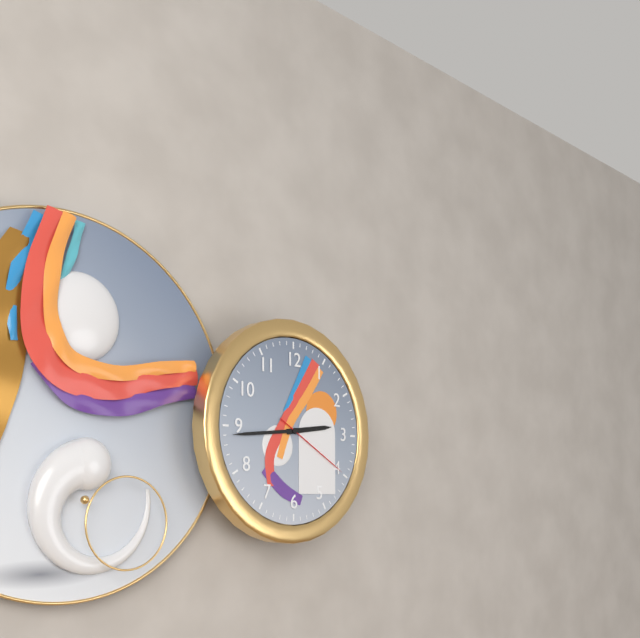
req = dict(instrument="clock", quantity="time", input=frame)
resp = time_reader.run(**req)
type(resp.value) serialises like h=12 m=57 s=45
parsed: h=2 m=44 s=20
